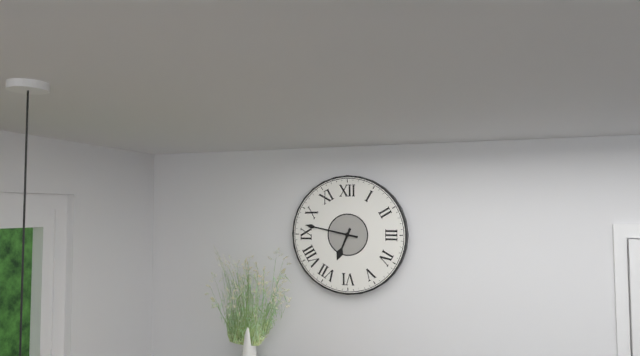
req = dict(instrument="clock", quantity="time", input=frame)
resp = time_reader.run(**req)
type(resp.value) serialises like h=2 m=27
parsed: h=6 m=47
